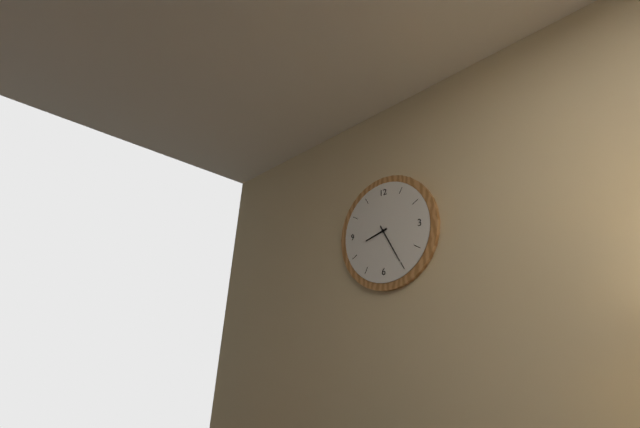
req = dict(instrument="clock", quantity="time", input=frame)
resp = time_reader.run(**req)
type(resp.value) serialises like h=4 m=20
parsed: h=8 m=25
